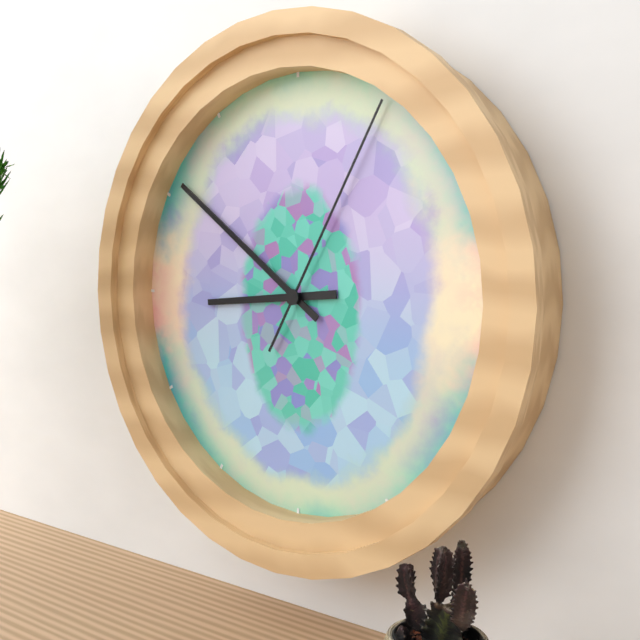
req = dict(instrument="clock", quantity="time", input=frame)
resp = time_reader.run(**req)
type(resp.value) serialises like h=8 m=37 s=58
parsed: h=8 m=51 s=5
